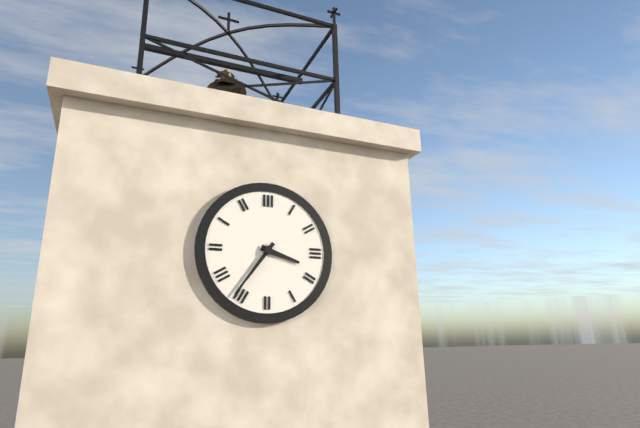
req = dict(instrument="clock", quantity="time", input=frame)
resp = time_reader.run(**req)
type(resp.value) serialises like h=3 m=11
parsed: h=3 m=36
